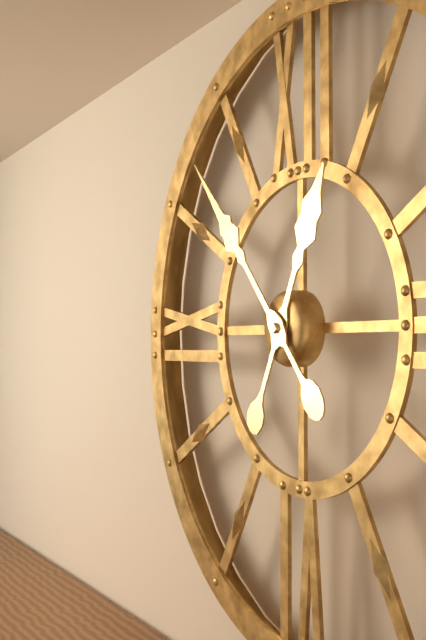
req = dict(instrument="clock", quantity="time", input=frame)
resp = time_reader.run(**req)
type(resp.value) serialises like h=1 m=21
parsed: h=12 m=53
